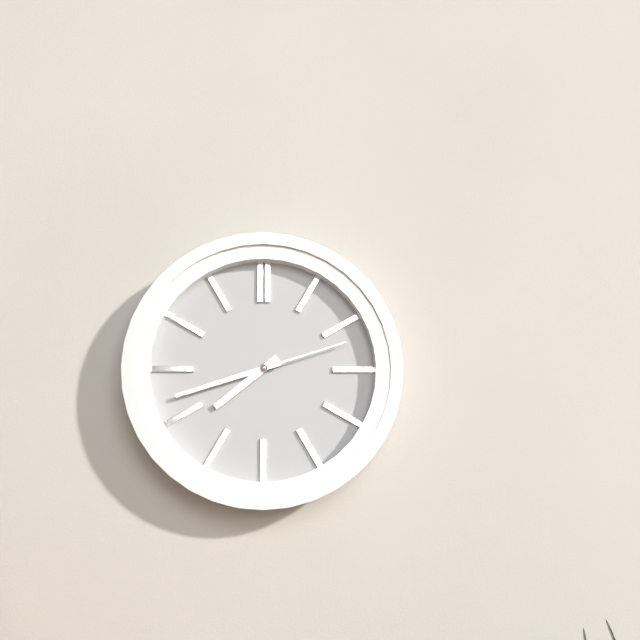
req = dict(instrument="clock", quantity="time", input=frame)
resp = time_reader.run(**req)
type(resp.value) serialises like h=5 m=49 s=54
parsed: h=7 m=42 s=12
